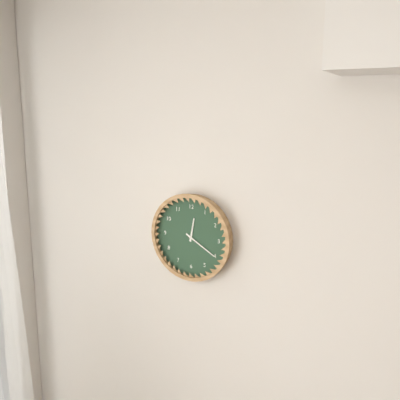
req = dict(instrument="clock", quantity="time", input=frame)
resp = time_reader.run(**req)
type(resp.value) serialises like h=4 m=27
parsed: h=12 m=20
